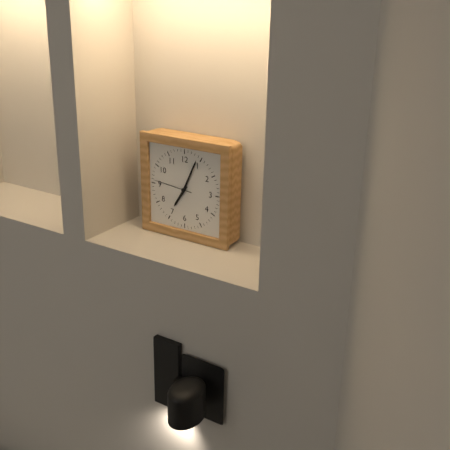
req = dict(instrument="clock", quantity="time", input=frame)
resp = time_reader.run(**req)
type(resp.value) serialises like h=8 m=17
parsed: h=7 m=4
